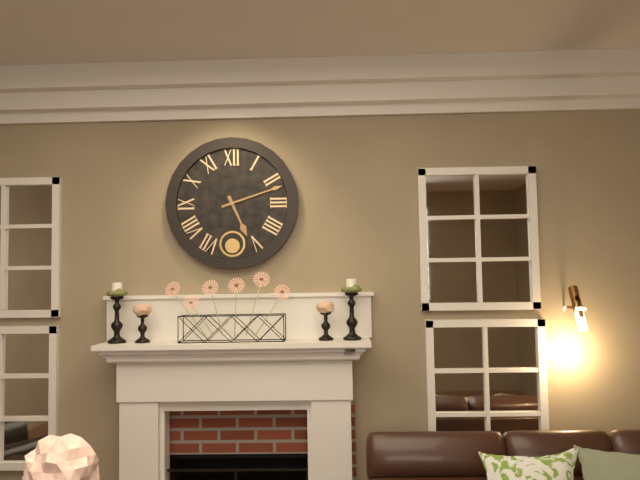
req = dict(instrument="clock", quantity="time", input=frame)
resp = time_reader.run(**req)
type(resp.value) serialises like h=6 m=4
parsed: h=5 m=12
